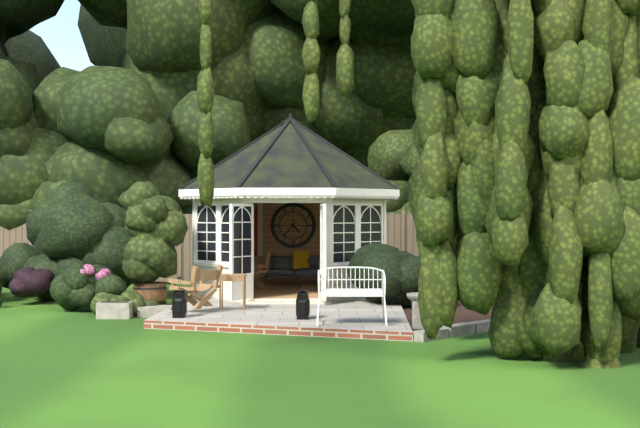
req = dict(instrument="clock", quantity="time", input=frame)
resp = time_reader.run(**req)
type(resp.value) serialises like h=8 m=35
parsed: h=4 m=37
